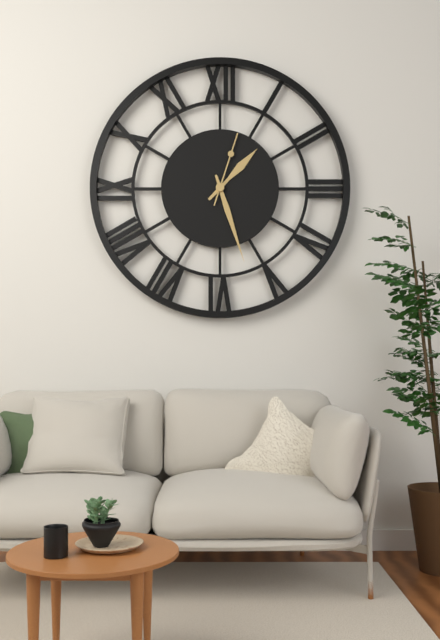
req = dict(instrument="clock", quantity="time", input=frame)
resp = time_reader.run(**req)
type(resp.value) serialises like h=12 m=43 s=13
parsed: h=1 m=27 s=3
